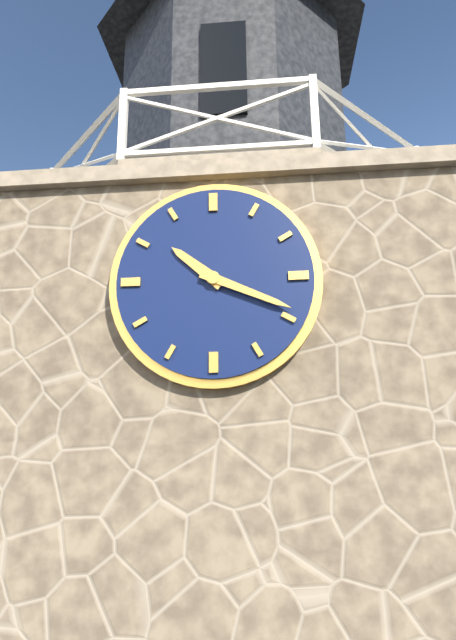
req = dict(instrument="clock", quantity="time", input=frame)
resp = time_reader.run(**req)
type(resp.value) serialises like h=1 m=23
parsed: h=10 m=19
